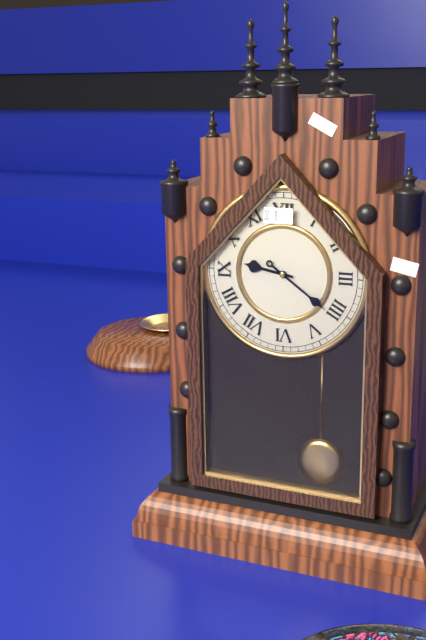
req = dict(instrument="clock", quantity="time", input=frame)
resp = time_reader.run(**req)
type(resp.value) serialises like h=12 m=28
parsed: h=9 m=21
